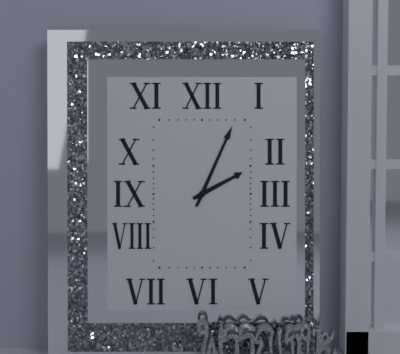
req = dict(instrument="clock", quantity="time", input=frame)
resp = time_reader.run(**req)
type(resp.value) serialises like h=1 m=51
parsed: h=2 m=4
